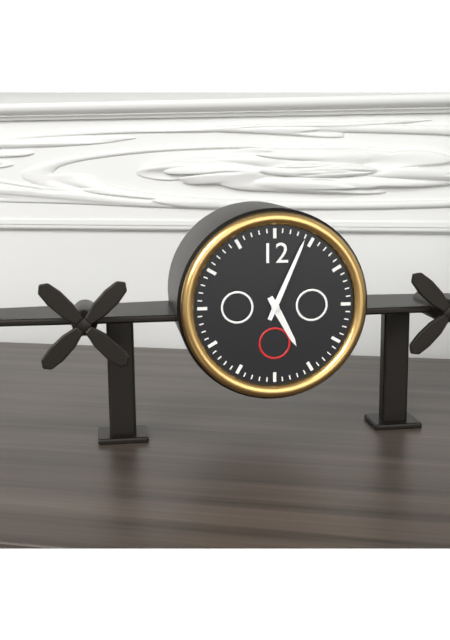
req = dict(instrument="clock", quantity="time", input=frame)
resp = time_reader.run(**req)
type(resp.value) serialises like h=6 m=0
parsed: h=5 m=4
